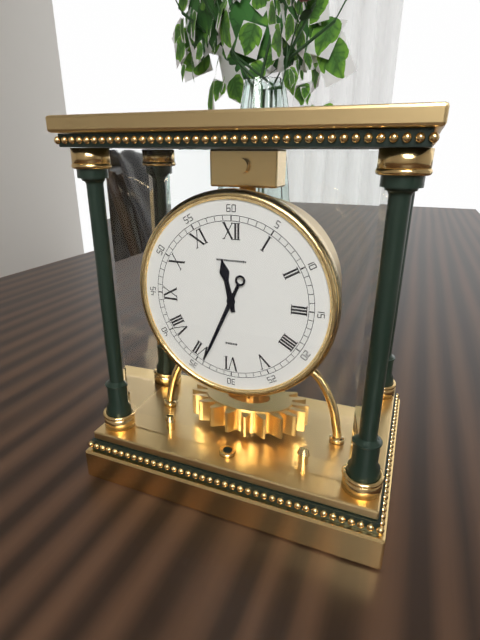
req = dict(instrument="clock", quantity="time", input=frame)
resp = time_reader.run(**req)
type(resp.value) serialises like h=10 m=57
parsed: h=11 m=34
